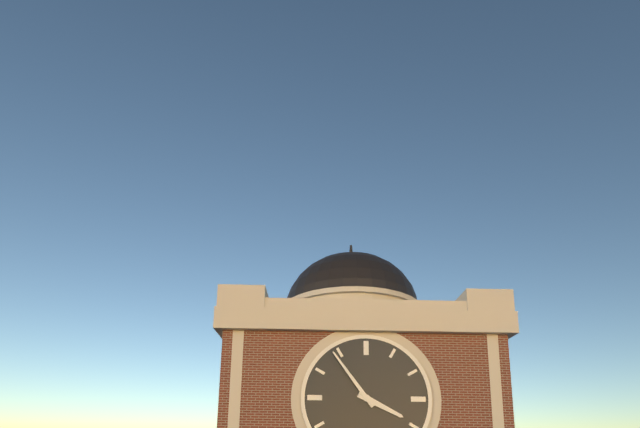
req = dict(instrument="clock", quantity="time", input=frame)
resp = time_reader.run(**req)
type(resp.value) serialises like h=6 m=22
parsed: h=3 m=54
